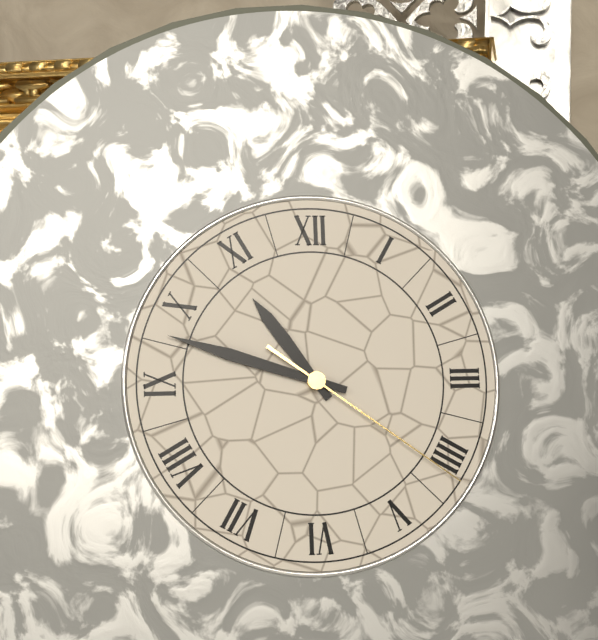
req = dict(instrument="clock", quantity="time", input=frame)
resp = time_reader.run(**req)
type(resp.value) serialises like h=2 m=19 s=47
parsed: h=10 m=48 s=21
